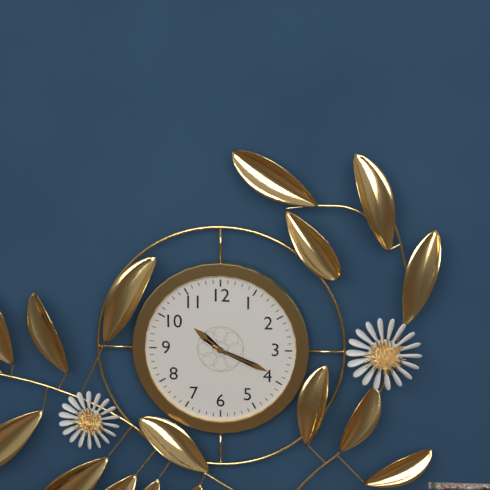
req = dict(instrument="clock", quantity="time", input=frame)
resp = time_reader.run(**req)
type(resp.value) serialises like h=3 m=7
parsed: h=10 m=19
